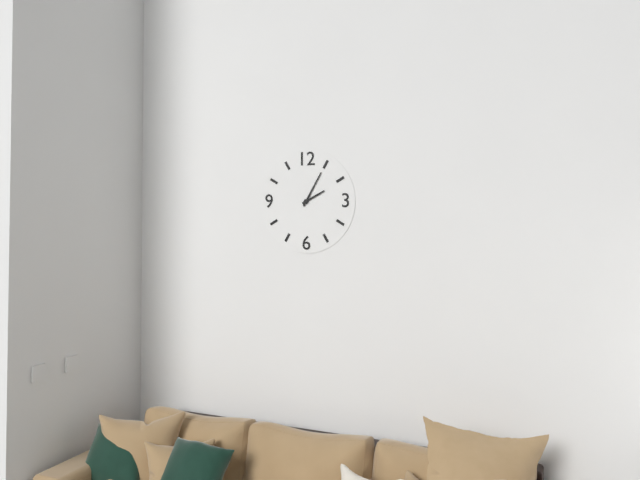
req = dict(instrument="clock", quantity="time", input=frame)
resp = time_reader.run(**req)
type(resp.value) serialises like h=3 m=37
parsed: h=2 m=5
